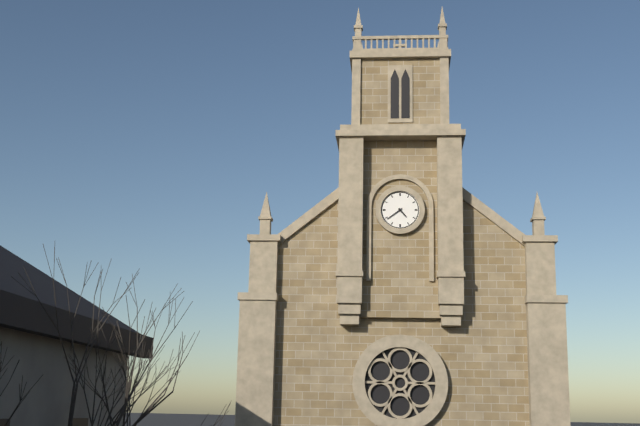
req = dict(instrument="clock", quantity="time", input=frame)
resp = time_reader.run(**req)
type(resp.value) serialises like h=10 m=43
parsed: h=4 m=39
